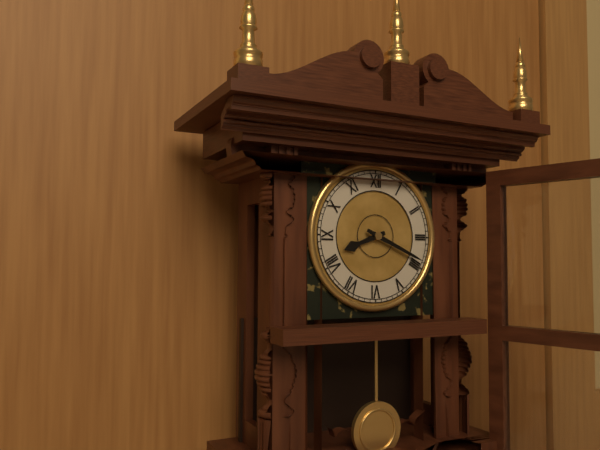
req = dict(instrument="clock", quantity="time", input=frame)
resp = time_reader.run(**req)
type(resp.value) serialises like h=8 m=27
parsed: h=8 m=19
